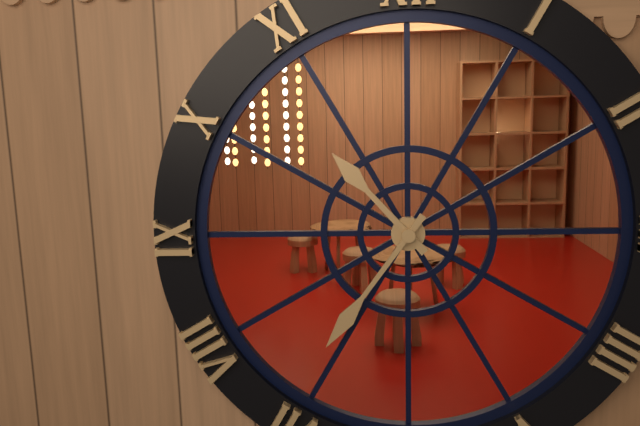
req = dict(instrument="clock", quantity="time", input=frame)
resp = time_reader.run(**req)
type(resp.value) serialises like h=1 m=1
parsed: h=10 m=36
